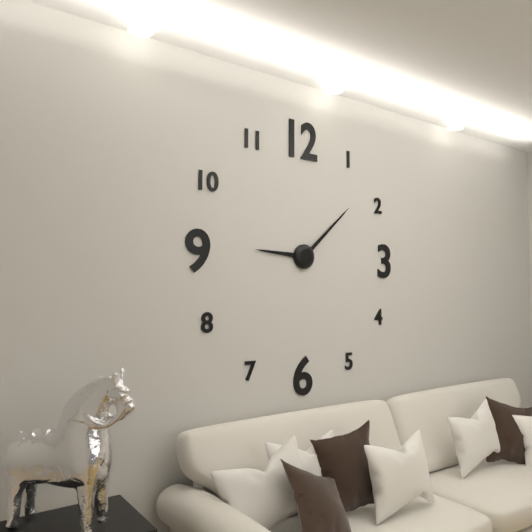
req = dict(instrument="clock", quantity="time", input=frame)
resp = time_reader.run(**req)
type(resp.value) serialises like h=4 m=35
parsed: h=9 m=8
